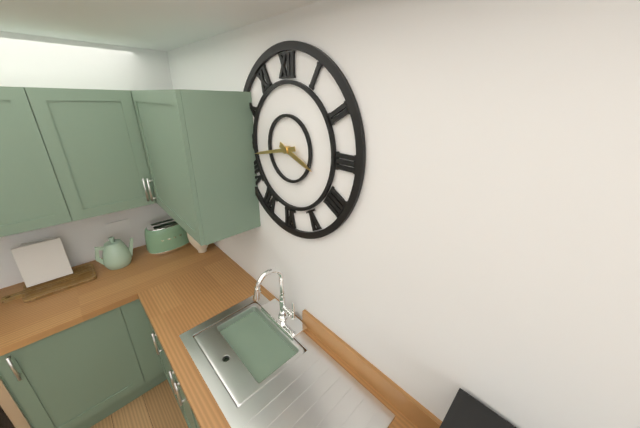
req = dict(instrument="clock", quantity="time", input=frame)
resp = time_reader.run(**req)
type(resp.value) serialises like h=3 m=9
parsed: h=3 m=43
